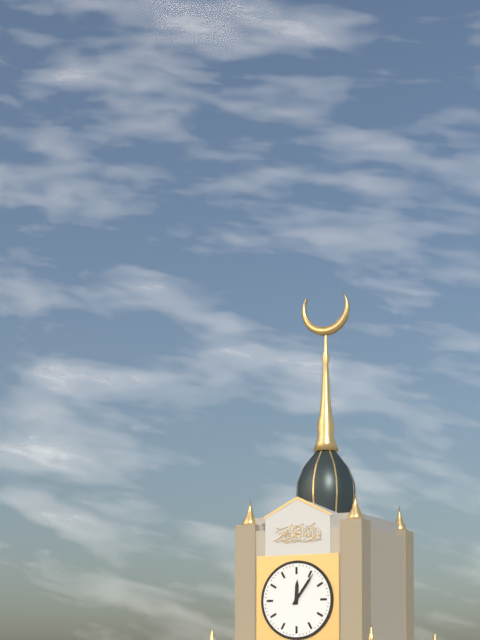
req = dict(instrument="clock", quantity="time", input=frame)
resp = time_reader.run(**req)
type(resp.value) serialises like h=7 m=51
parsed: h=12 m=6
